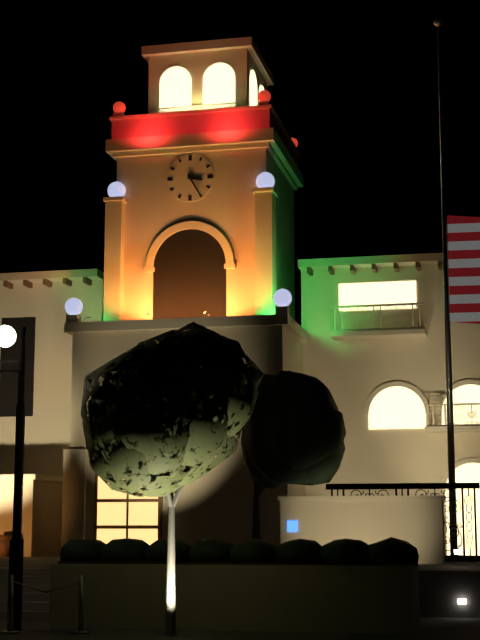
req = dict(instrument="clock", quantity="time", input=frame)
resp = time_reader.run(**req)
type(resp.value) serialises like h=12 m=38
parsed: h=3 m=25
